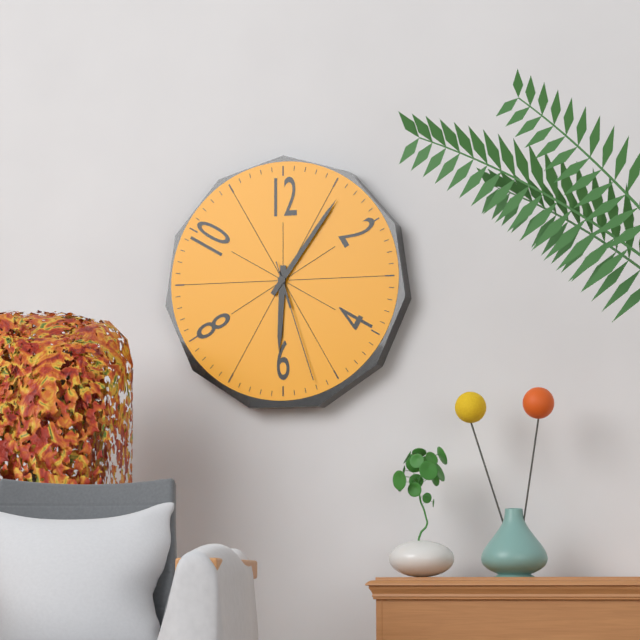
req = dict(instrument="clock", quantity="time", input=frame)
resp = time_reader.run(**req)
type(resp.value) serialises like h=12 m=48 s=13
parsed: h=6 m=6 s=27
